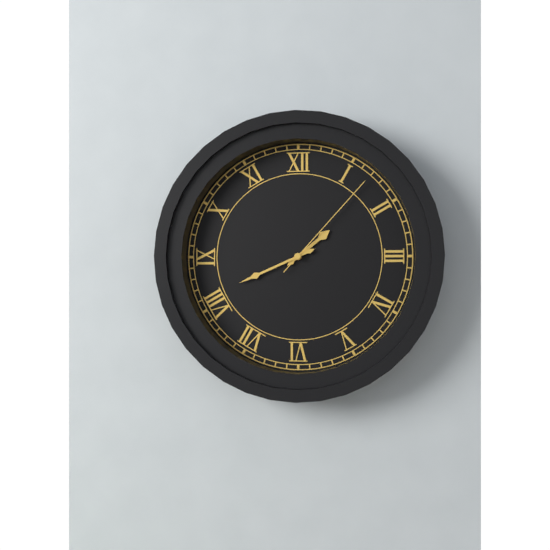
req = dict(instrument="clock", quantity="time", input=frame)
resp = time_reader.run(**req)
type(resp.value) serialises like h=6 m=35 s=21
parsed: h=1 m=41 s=7
